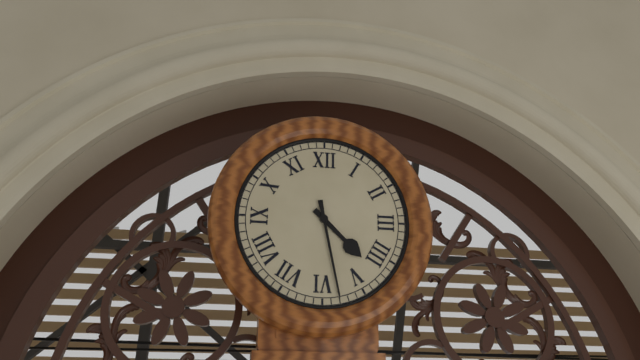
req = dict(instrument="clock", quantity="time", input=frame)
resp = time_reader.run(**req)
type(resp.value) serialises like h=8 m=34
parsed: h=4 m=28
